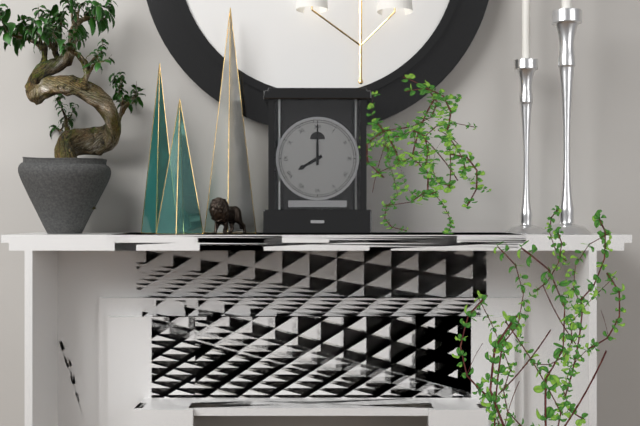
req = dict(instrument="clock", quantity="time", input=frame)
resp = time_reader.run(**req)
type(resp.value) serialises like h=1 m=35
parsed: h=8 m=0
